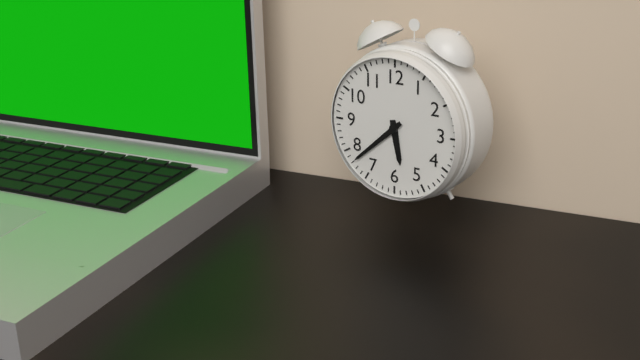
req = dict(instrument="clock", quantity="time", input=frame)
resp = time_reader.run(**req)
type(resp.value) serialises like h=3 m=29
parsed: h=5 m=38
